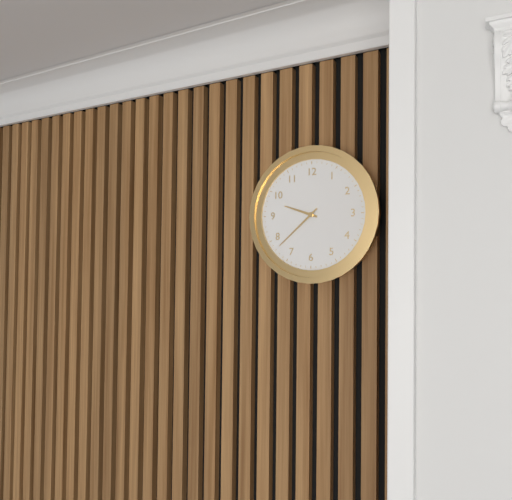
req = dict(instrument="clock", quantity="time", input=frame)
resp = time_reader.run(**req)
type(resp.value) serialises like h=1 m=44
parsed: h=9 m=38
